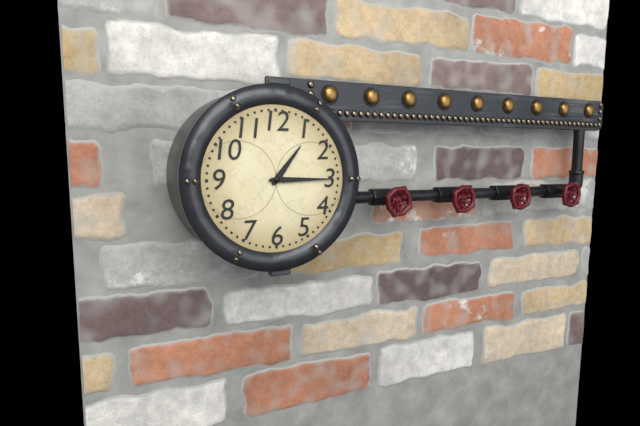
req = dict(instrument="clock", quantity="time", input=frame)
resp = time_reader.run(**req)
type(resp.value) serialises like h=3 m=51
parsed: h=1 m=15
